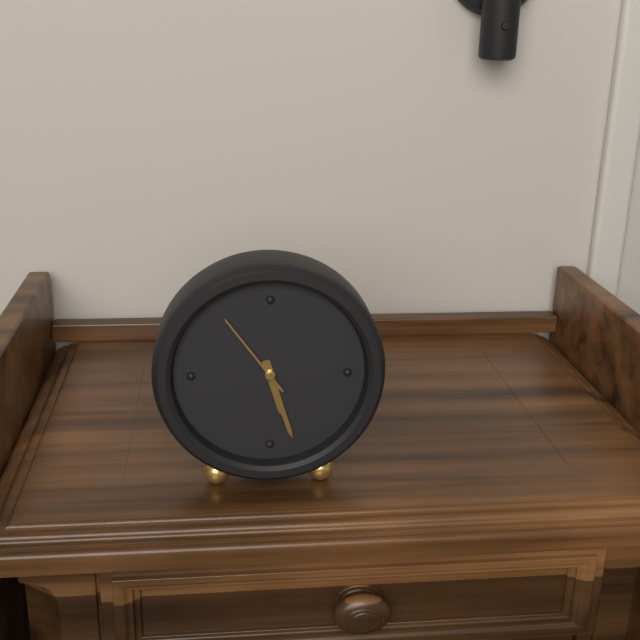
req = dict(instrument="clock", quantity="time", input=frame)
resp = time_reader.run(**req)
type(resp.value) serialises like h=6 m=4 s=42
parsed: h=5 m=27 s=54
